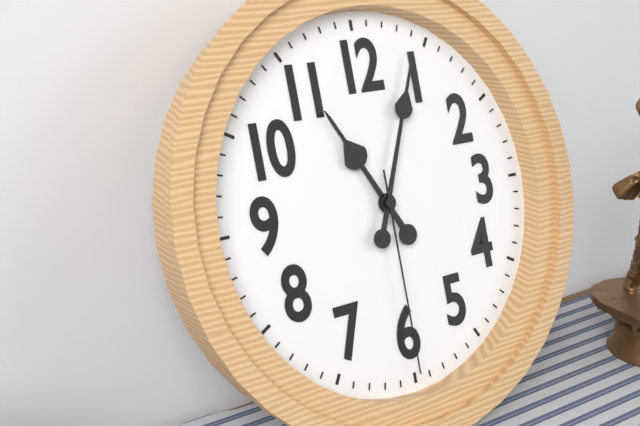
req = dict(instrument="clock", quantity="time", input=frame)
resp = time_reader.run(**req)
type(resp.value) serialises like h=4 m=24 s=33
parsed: h=11 m=4 s=30
